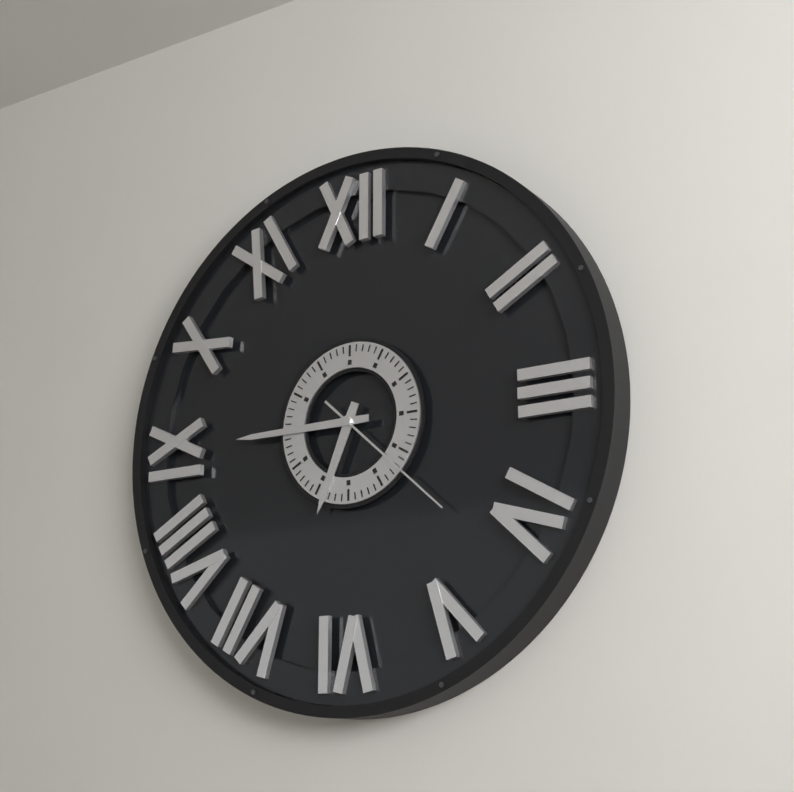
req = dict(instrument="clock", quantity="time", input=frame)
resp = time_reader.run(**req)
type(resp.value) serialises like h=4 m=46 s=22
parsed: h=6 m=45 s=22
